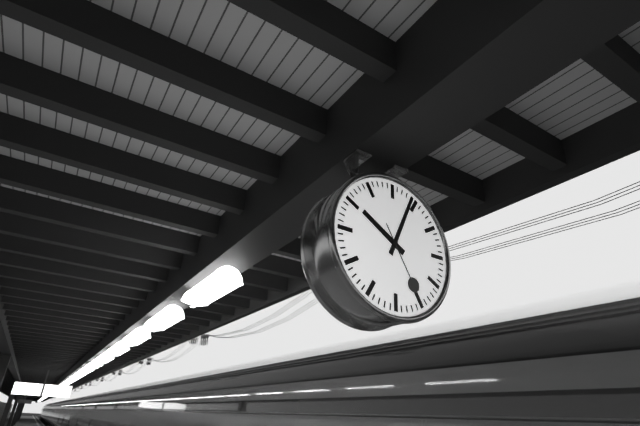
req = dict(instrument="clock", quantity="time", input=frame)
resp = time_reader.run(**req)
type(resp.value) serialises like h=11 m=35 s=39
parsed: h=10 m=4 s=25
